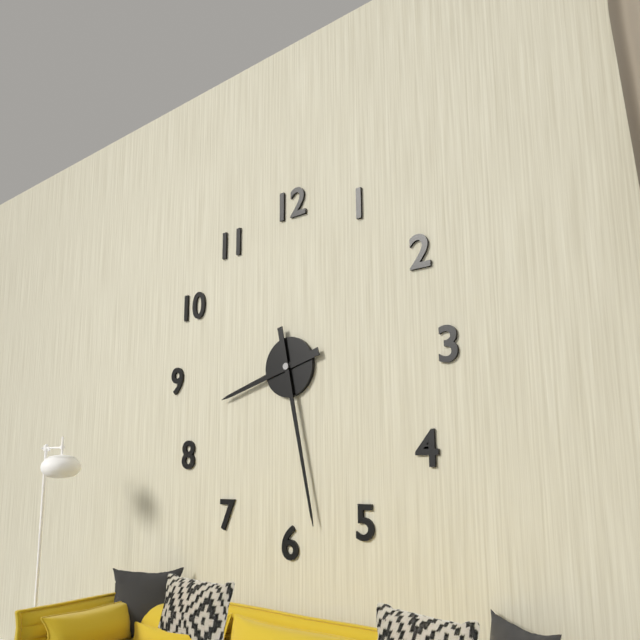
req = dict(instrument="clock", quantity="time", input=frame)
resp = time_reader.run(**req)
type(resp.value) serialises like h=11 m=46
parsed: h=8 m=28
